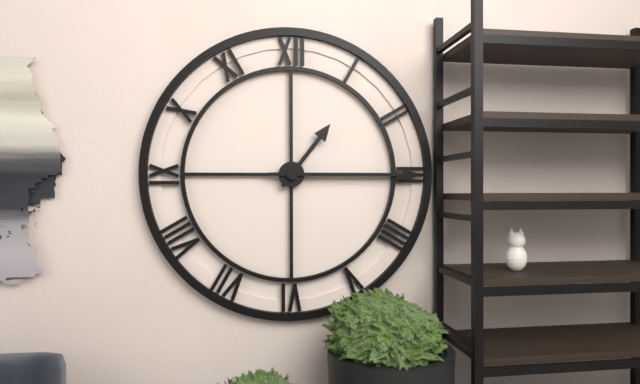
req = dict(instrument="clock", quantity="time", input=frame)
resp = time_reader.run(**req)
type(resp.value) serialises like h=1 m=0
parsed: h=1 m=15
